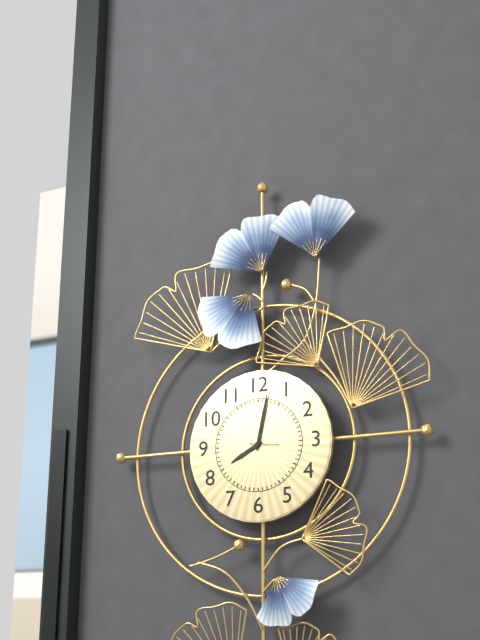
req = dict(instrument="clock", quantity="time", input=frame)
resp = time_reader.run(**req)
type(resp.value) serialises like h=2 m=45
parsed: h=8 m=2
